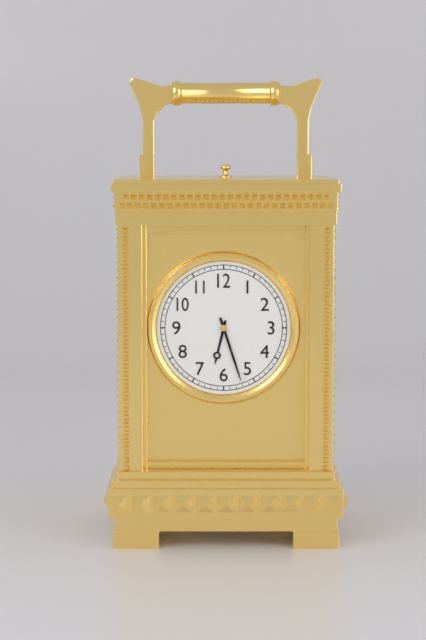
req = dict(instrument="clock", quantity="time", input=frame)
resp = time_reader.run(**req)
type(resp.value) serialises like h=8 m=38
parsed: h=6 m=27
